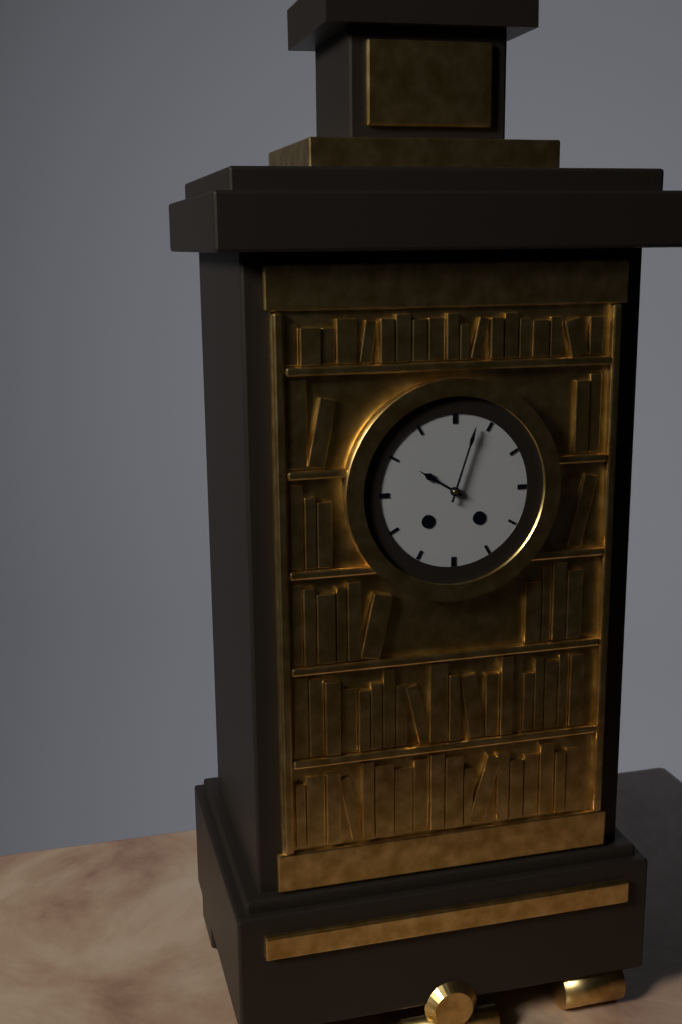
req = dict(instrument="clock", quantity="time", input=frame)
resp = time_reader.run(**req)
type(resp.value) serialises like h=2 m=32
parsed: h=10 m=3
